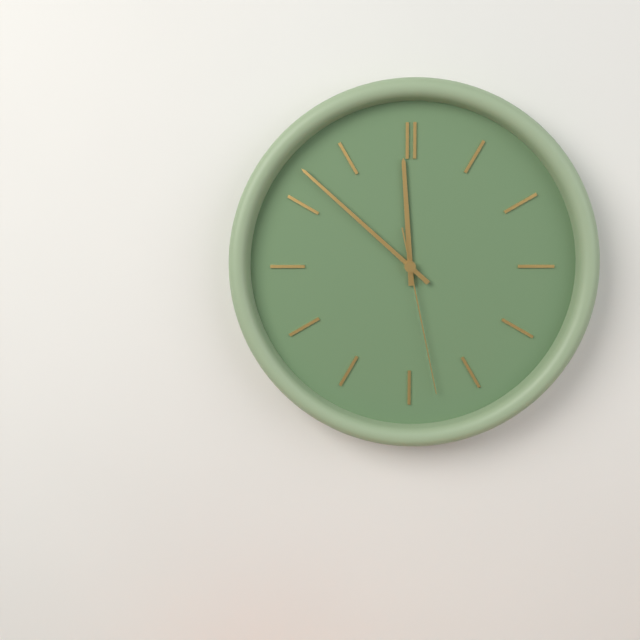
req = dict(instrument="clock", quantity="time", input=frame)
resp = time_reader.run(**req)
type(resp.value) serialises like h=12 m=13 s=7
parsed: h=11 m=52 s=28
